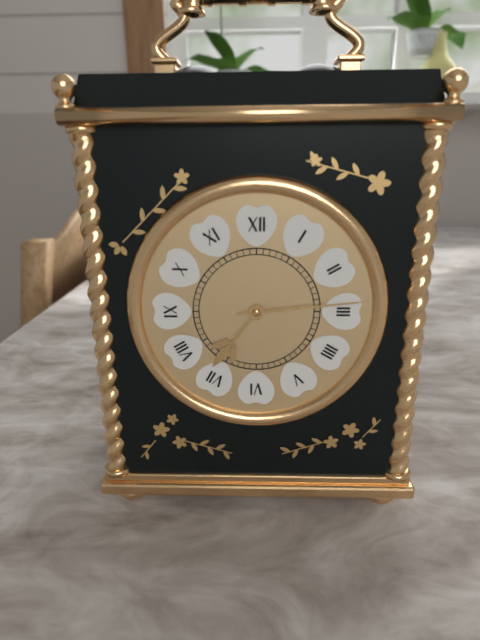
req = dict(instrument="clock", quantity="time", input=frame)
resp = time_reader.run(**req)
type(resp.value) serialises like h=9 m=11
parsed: h=7 m=14
